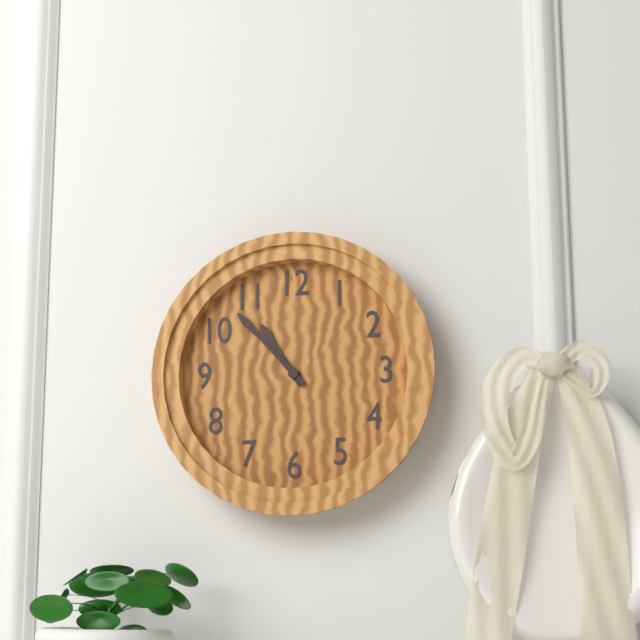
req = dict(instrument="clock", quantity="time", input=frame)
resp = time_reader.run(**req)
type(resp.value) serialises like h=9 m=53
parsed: h=10 m=53
